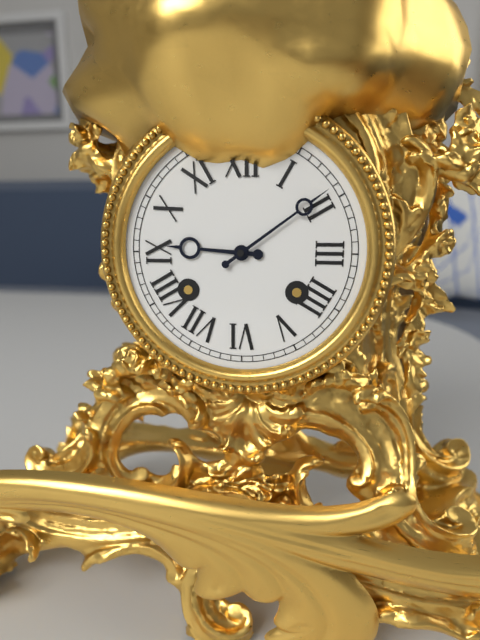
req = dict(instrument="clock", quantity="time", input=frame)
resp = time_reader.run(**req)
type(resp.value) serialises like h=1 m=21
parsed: h=9 m=9
